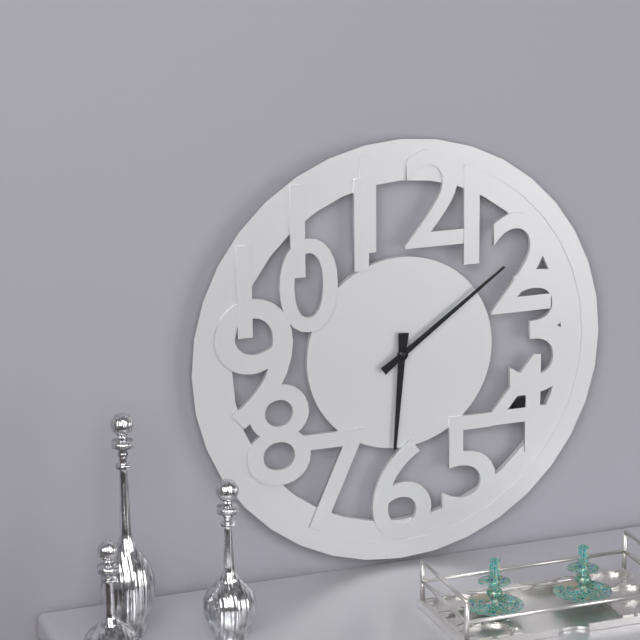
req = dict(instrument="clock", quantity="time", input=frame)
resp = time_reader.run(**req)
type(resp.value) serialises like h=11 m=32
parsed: h=6 m=9
